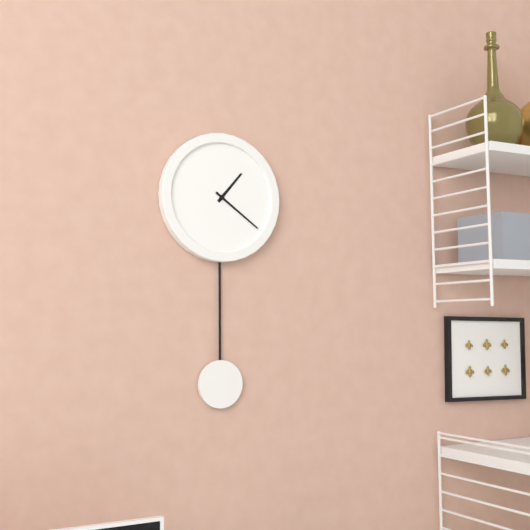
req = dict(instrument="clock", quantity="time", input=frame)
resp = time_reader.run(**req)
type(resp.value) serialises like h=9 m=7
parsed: h=1 m=21
